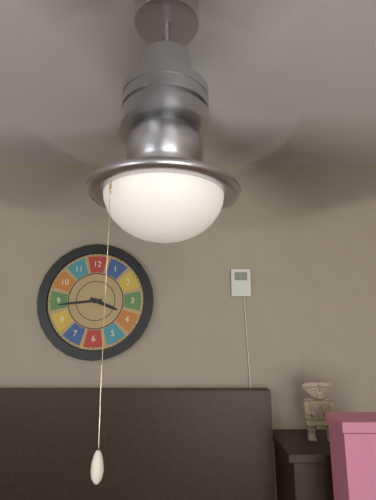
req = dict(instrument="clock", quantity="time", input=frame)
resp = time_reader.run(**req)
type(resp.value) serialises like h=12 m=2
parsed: h=3 m=44
